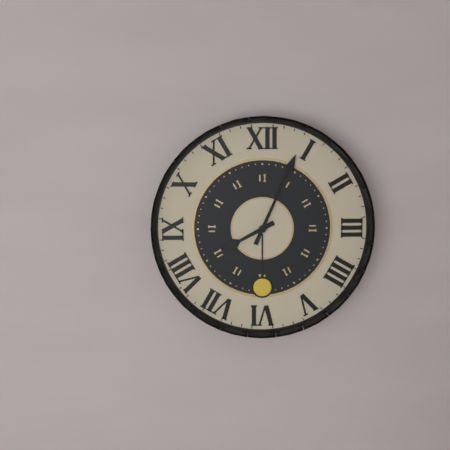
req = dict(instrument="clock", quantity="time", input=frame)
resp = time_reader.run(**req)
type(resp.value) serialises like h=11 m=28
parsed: h=8 m=4
